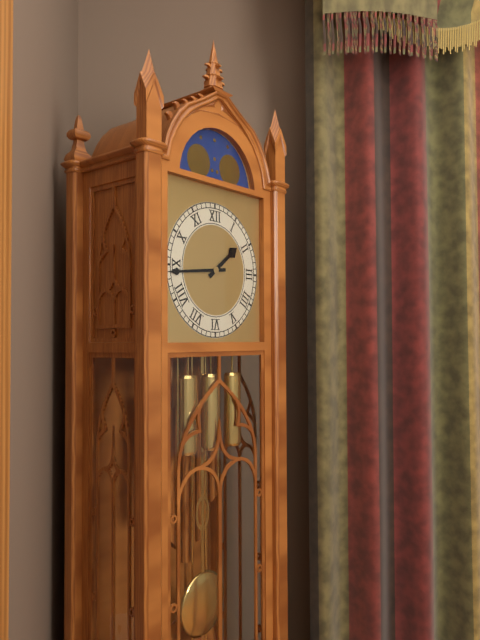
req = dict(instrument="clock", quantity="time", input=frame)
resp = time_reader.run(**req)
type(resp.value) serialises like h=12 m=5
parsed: h=1 m=44
